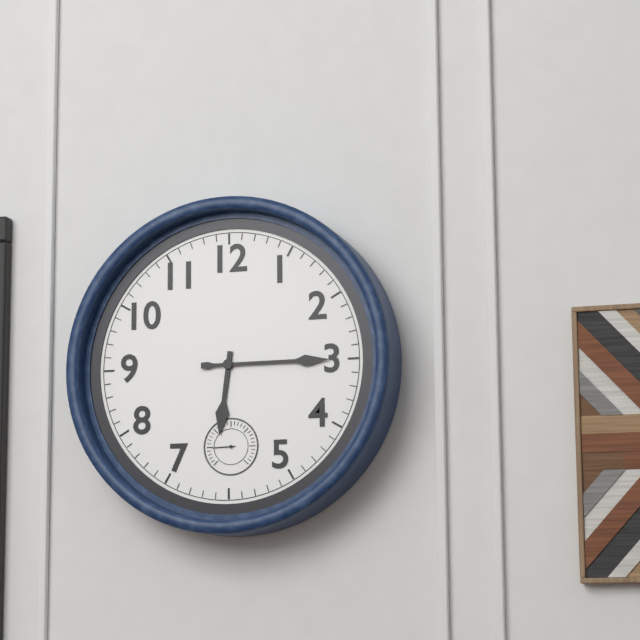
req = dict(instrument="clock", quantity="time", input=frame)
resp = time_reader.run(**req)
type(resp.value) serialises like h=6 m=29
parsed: h=6 m=15
